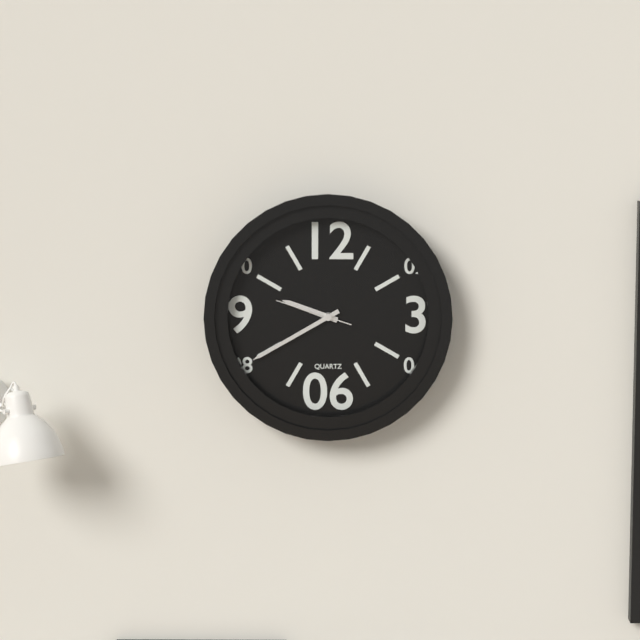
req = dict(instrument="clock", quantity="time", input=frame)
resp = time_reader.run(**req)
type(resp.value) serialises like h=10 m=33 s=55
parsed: h=9 m=40 s=48
